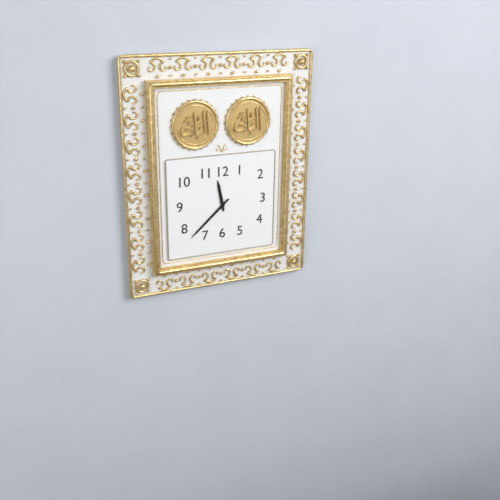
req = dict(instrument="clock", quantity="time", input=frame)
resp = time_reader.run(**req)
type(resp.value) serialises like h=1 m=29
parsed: h=11 m=38
